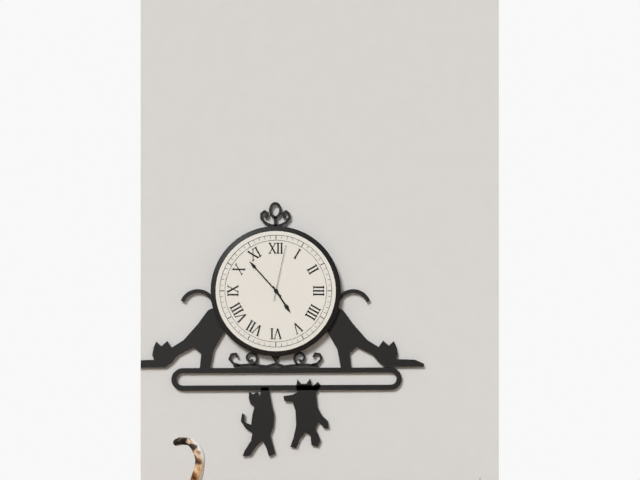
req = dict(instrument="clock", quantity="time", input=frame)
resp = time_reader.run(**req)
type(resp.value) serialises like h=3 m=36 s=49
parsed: h=4 m=53 s=2
